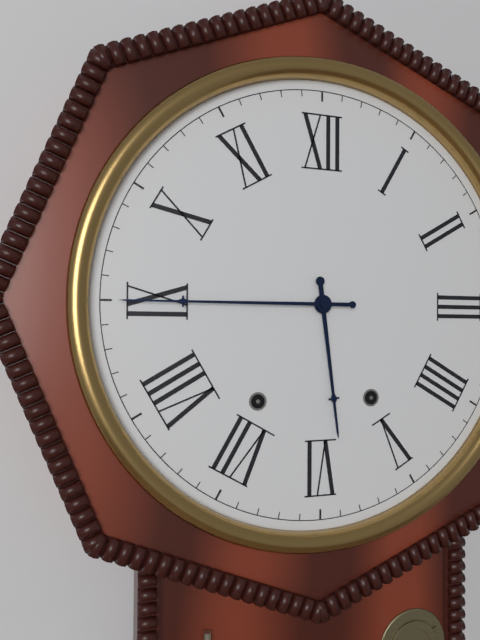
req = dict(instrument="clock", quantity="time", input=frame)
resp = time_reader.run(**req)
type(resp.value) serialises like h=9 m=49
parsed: h=5 m=45
